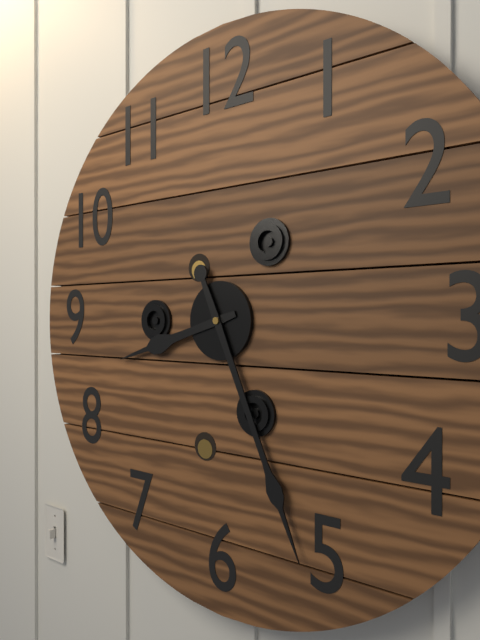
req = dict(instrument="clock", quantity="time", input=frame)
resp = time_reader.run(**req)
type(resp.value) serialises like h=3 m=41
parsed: h=8 m=26
